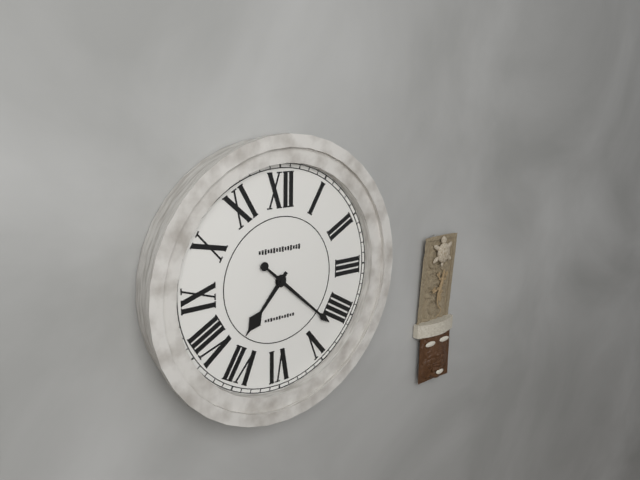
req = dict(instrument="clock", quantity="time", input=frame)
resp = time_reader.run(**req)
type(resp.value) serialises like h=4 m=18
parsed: h=7 m=22
